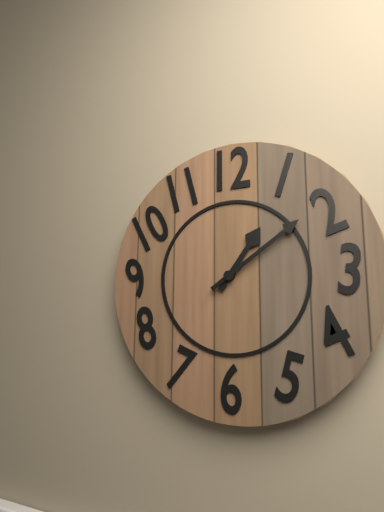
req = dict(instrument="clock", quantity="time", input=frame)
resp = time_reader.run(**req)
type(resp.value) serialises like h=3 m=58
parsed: h=1 m=9
